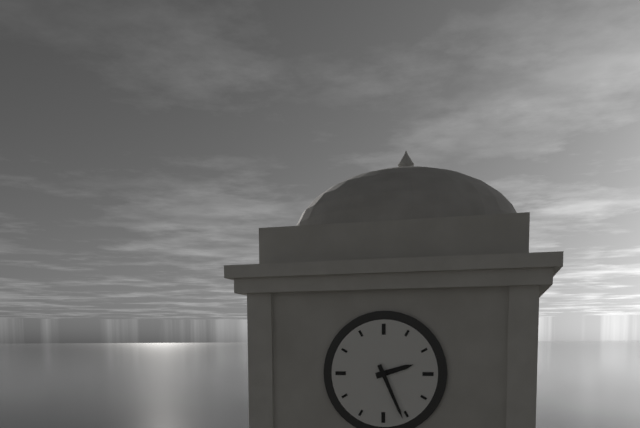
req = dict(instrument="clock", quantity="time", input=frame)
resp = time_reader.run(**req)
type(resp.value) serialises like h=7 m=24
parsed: h=2 m=26
